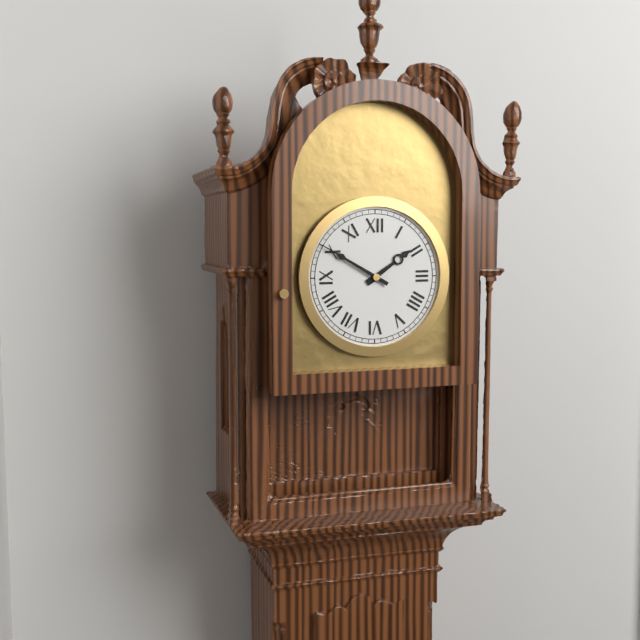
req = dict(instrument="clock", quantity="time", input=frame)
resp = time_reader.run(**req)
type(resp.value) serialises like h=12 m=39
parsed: h=1 m=50
